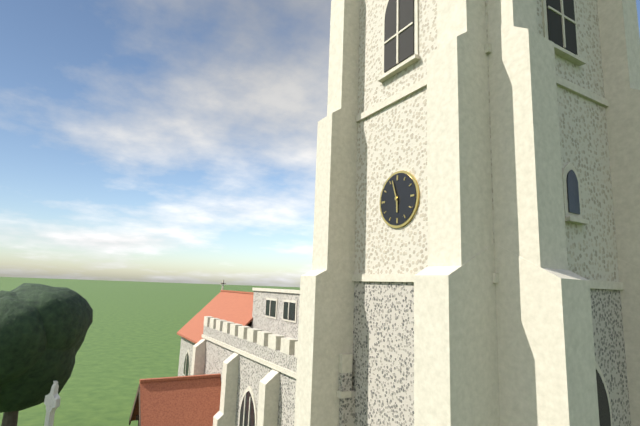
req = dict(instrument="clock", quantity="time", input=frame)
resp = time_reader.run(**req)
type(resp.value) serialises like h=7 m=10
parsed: h=5 m=57
